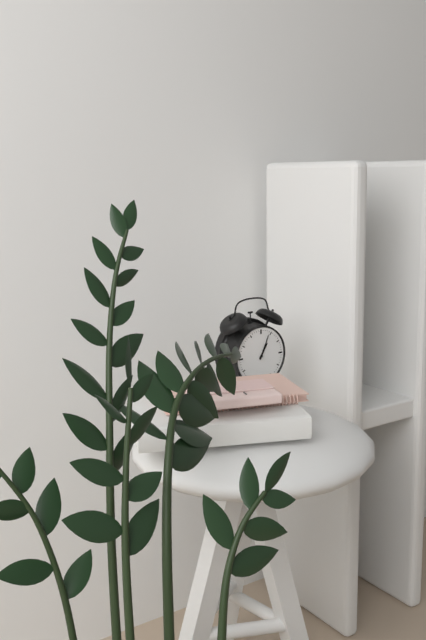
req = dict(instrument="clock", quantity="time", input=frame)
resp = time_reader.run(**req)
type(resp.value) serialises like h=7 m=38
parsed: h=1 m=4
